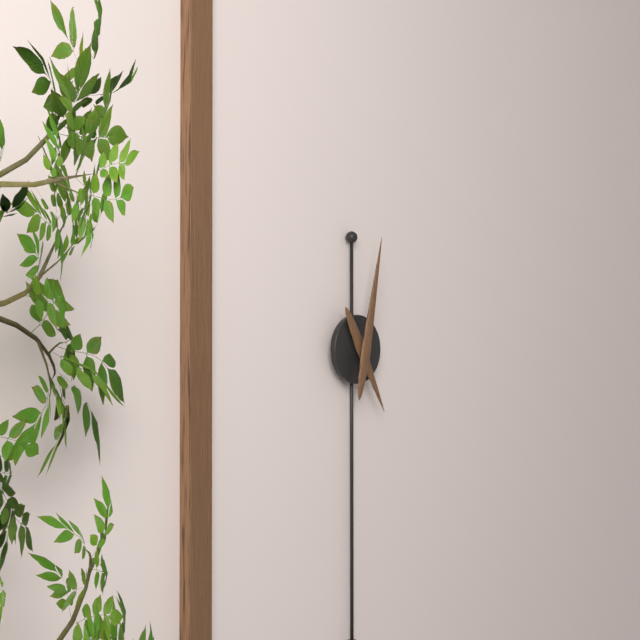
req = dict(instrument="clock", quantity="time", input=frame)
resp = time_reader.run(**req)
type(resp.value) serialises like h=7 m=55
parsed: h=5 m=2
